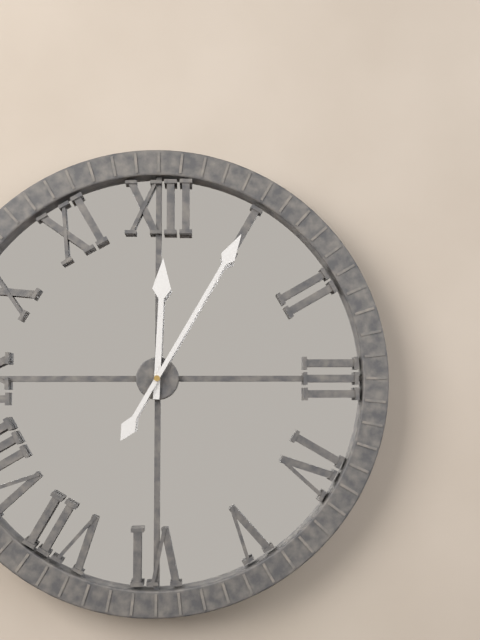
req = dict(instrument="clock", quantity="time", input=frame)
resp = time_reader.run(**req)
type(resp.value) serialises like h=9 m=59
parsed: h=12 m=5
